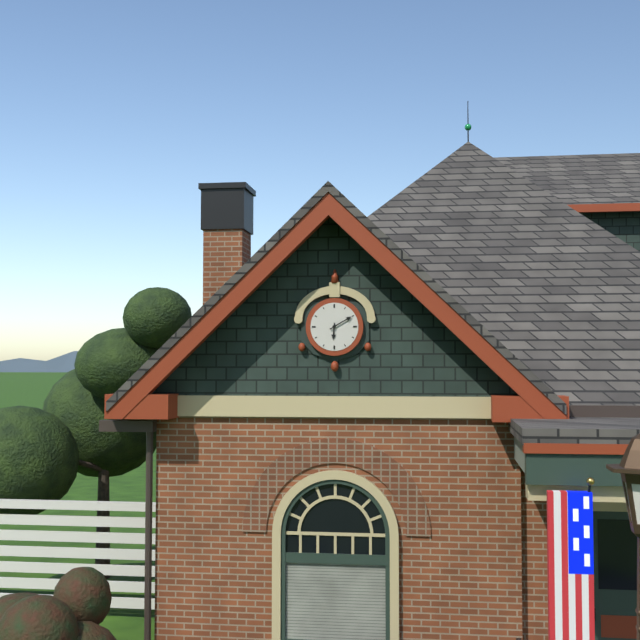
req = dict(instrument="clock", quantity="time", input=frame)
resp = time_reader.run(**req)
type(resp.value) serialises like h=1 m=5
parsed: h=6 m=10
